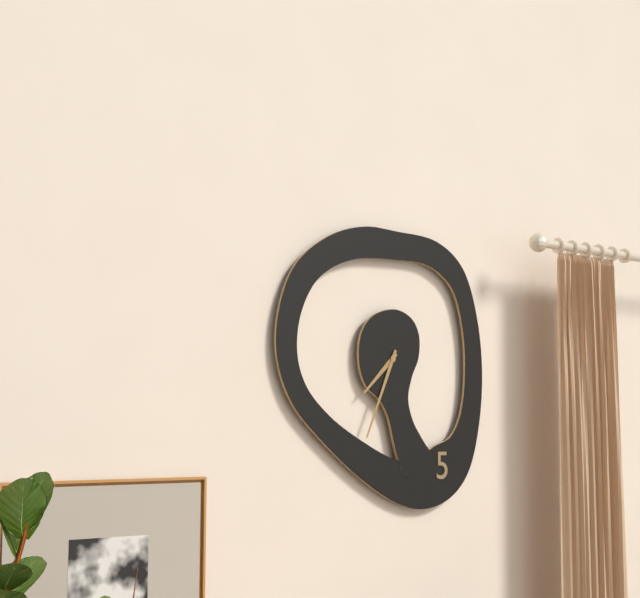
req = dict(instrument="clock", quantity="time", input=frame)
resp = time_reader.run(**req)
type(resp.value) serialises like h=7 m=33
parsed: h=7 m=34
